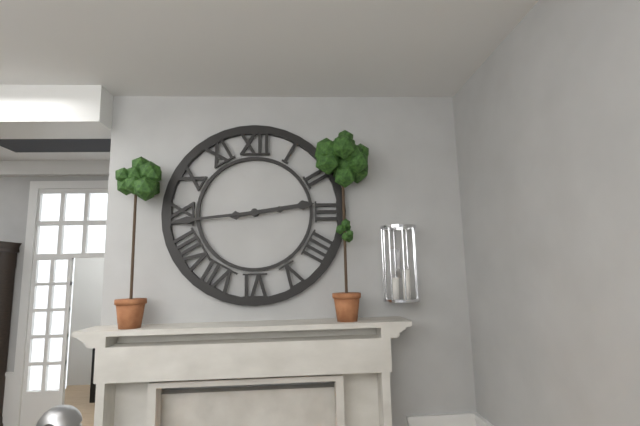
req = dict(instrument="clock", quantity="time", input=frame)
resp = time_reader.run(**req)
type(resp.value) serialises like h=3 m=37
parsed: h=2 m=44
